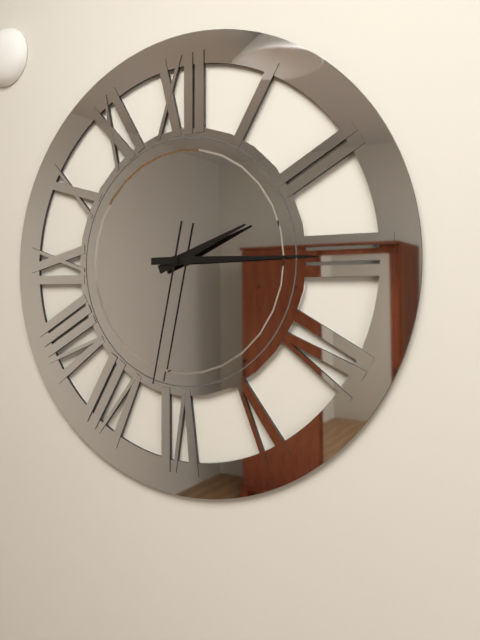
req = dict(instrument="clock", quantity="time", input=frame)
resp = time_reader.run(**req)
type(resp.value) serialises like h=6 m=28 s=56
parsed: h=2 m=15 s=32
